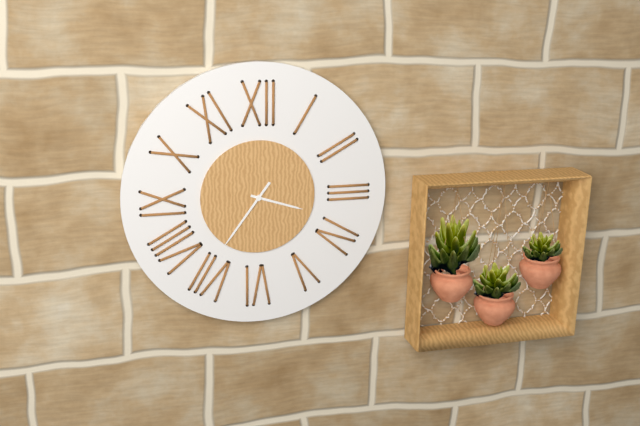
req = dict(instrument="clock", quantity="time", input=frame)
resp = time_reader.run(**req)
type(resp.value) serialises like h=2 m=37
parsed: h=3 m=36
